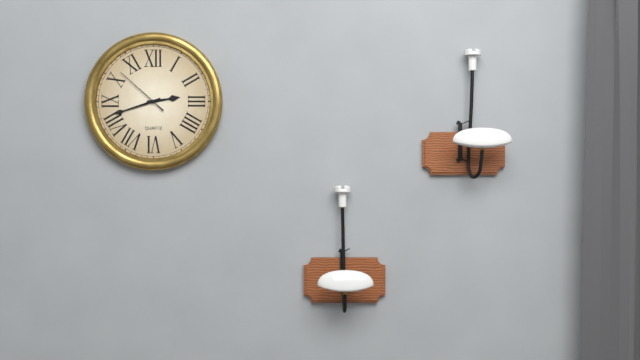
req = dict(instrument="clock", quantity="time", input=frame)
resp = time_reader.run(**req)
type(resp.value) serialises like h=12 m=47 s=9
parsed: h=2 m=42 s=52
